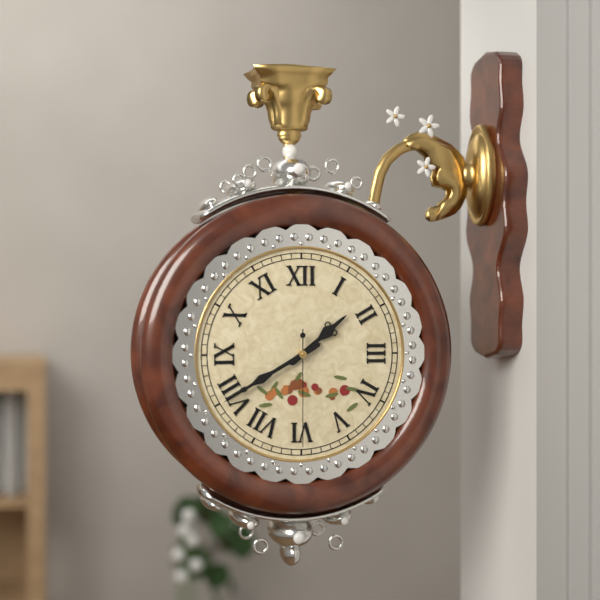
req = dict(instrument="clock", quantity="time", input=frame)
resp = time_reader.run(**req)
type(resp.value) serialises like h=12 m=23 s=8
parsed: h=1 m=40 s=30
